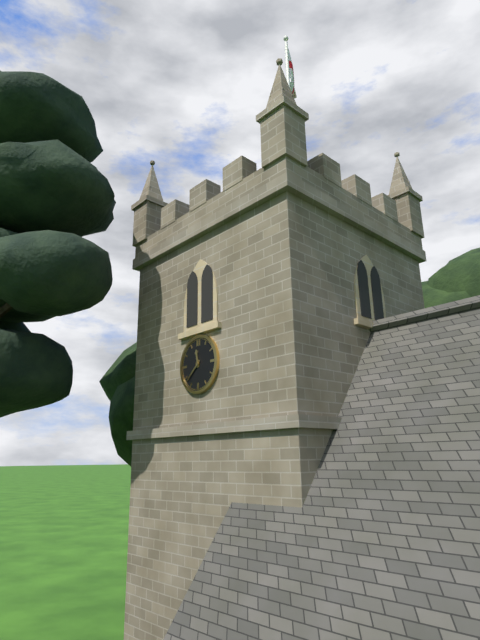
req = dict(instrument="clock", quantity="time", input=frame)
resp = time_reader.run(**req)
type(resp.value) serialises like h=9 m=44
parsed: h=11 m=38
